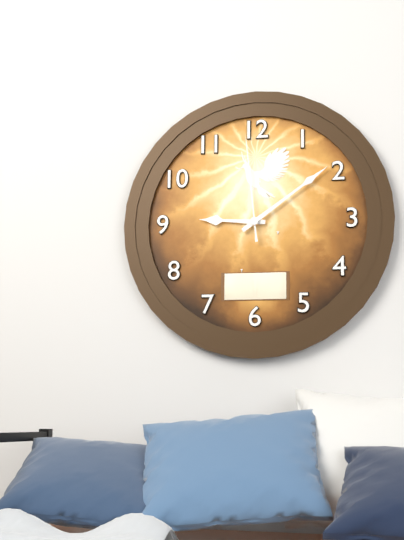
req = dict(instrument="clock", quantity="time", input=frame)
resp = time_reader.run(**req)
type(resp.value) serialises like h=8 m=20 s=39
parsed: h=9 m=9 s=59
